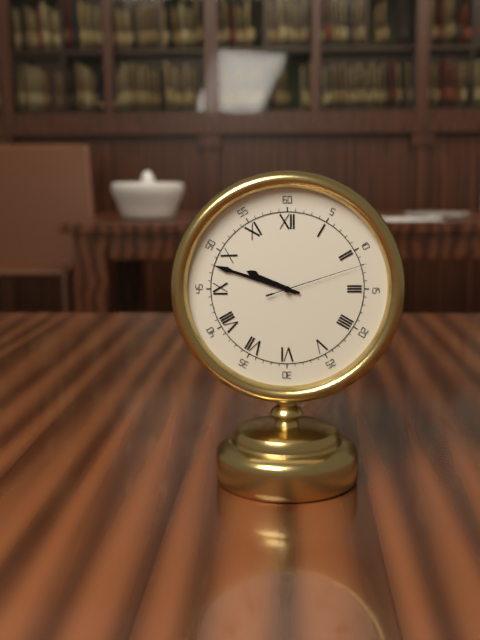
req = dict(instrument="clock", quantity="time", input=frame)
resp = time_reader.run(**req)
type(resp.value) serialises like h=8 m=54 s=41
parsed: h=9 m=48 s=12
